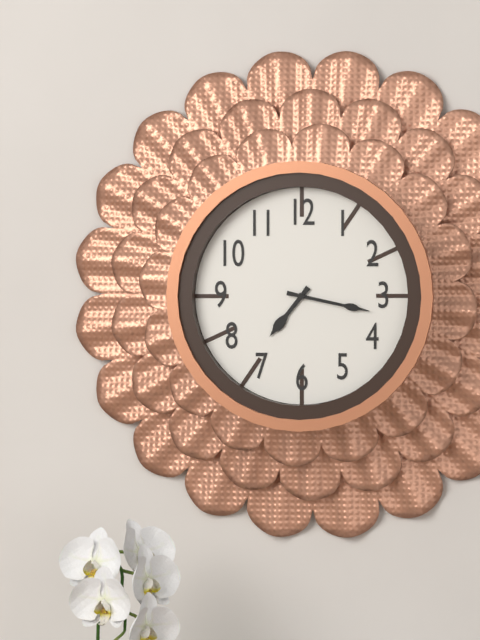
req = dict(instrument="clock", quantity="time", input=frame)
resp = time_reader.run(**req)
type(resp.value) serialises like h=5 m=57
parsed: h=7 m=17
